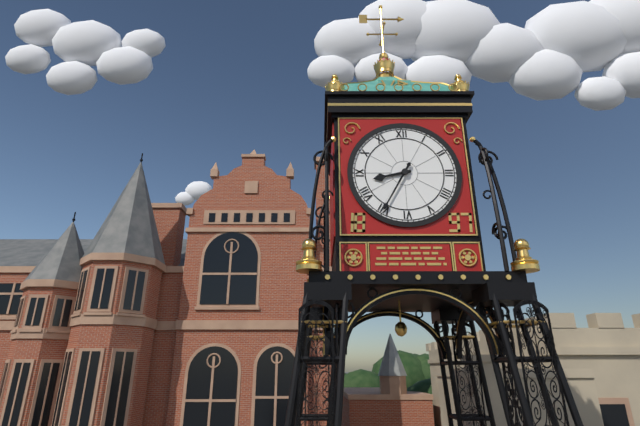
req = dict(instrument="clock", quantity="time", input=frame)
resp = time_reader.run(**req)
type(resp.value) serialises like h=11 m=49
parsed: h=8 m=35
